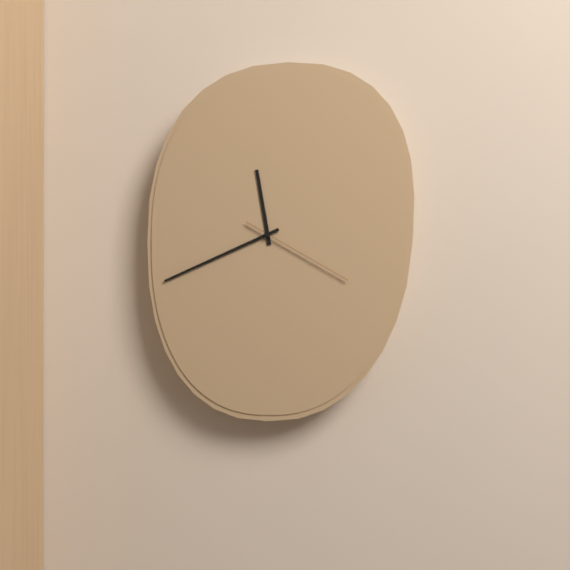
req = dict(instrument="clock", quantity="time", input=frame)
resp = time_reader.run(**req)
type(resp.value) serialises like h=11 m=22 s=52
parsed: h=11 m=41 s=20
